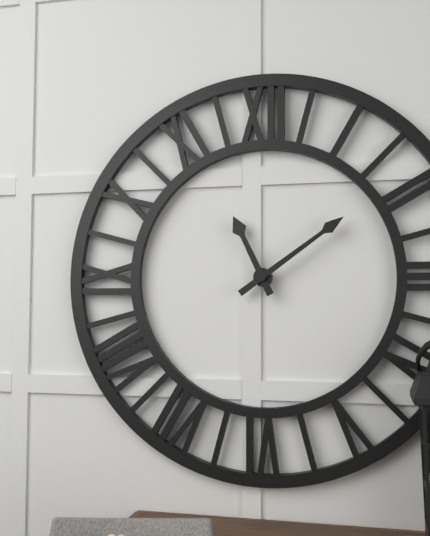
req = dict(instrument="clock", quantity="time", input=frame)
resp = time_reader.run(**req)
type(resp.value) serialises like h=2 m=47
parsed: h=11 m=9
